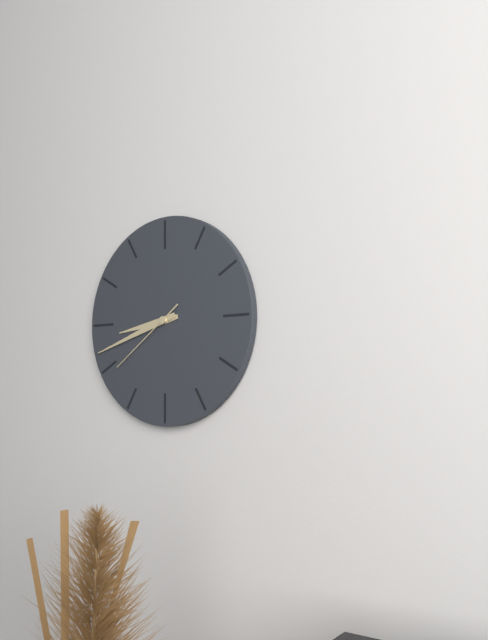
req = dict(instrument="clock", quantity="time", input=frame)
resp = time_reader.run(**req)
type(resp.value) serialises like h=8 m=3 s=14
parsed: h=8 m=42 s=39
